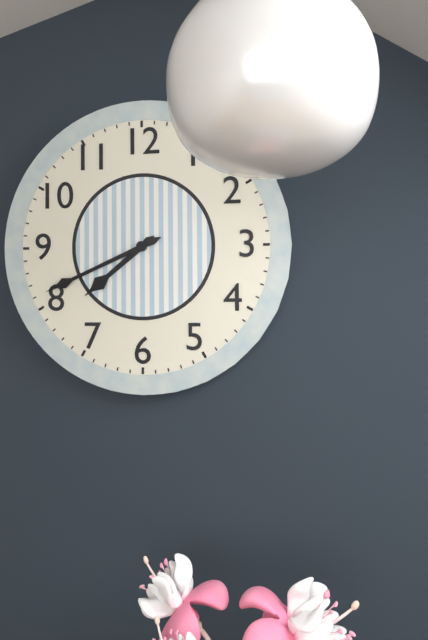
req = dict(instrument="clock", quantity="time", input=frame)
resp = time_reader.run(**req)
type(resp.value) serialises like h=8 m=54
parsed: h=7 m=41
